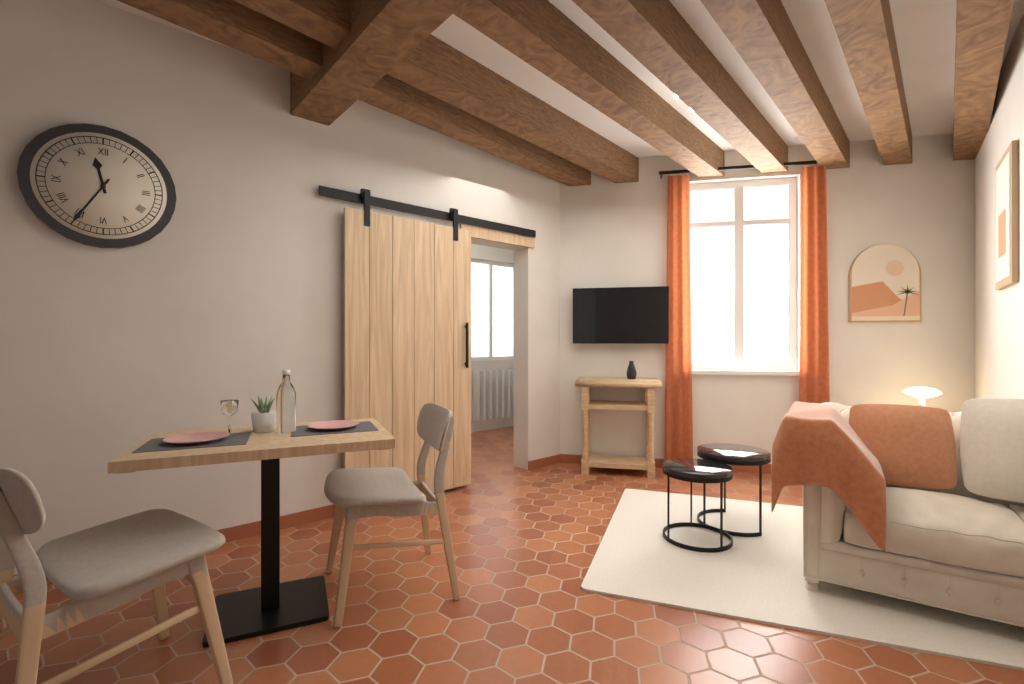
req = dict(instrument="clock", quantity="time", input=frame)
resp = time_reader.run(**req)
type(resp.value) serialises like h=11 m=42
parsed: h=11 m=35
